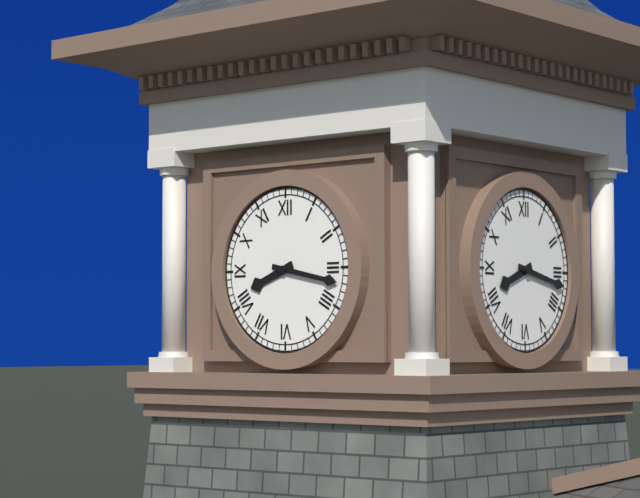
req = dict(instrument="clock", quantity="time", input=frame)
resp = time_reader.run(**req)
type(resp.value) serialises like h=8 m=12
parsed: h=8 m=17
